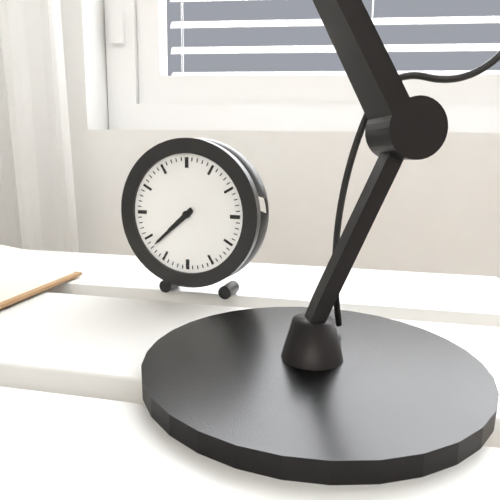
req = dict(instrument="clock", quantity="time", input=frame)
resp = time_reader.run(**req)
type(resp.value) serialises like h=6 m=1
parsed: h=7 m=38
